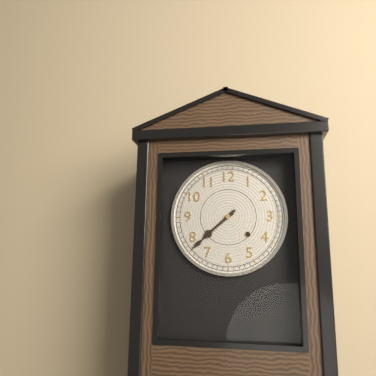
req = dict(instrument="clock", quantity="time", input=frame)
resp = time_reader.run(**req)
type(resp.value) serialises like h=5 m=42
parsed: h=7 m=38
